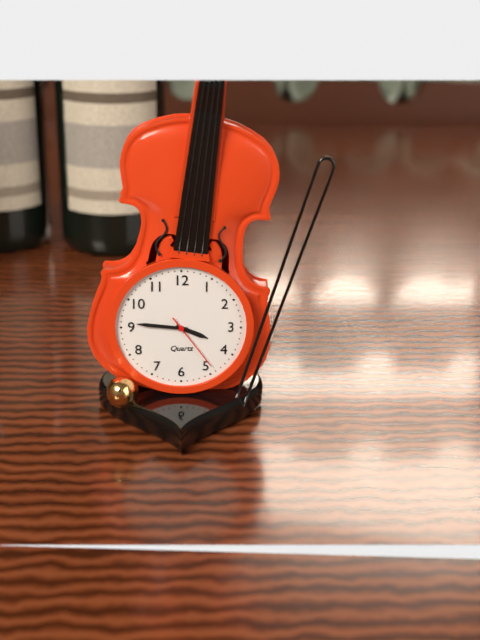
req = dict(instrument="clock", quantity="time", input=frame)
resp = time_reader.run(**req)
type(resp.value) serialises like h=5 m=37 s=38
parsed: h=3 m=46 s=24
